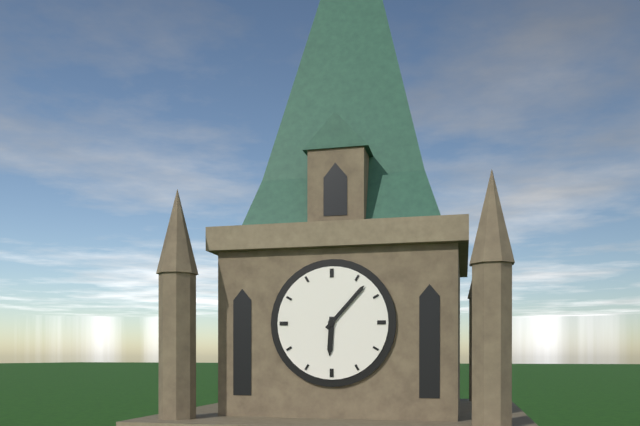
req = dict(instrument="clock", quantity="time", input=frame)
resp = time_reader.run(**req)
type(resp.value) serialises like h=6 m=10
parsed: h=6 m=7
